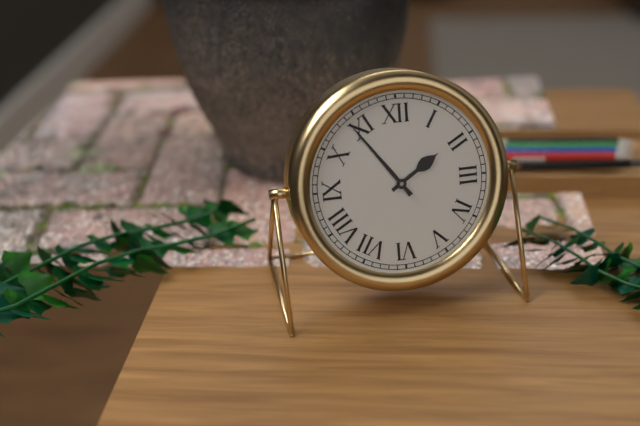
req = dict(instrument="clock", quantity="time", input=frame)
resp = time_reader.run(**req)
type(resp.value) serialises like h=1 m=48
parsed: h=1 m=54
